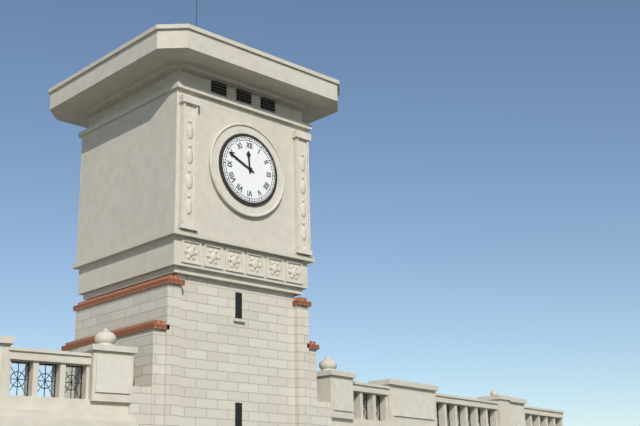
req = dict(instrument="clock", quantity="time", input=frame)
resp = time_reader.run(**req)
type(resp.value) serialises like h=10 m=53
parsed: h=11 m=49
